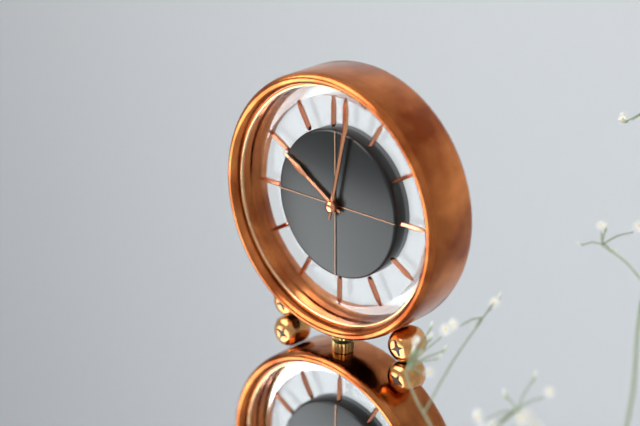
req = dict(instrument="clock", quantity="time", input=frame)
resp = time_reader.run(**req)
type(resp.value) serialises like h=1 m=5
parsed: h=10 m=2
